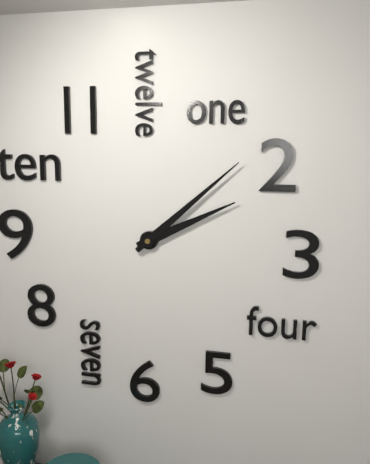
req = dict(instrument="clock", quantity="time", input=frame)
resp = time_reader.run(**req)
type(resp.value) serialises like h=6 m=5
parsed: h=2 m=8
